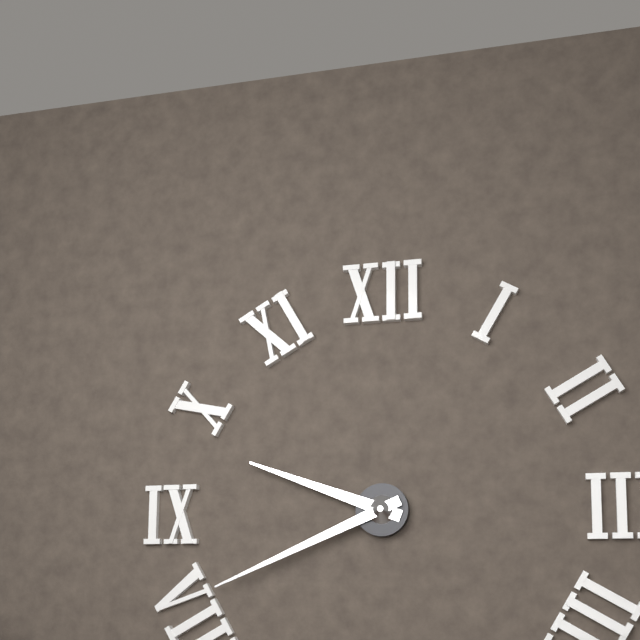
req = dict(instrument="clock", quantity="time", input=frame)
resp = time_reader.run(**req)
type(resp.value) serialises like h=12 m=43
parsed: h=9 m=41
